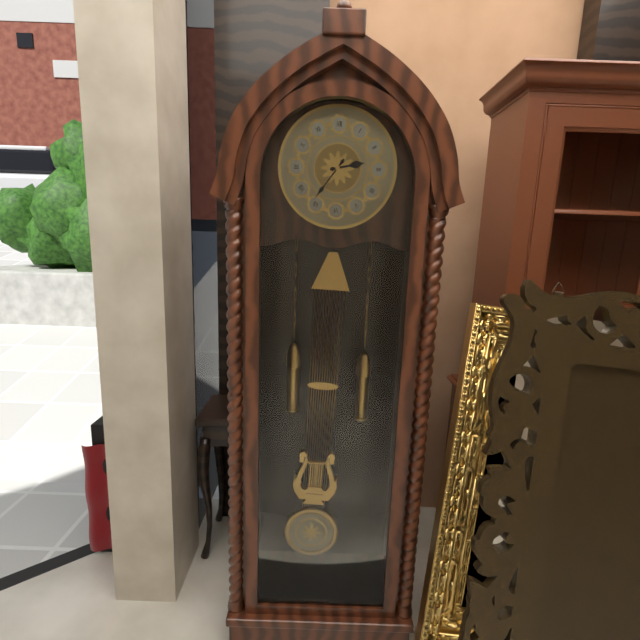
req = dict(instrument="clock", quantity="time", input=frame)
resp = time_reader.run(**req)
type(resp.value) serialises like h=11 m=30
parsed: h=2 m=36
